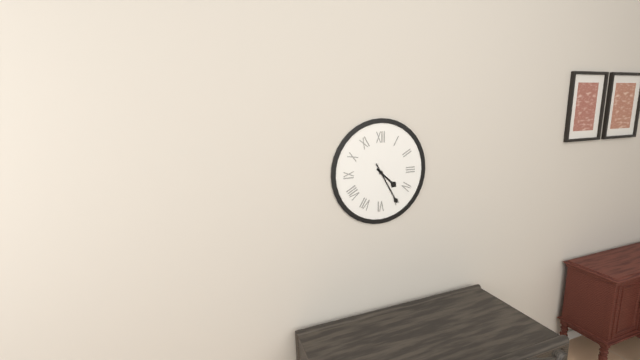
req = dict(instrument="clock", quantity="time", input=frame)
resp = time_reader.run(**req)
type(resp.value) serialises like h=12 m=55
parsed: h=4 m=25
